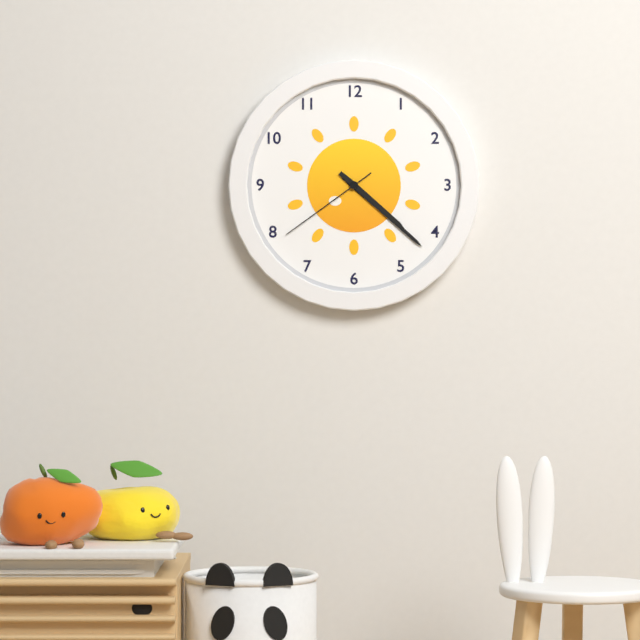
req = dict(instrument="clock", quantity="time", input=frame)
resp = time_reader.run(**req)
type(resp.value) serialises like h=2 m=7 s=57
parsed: h=4 m=22 s=39
